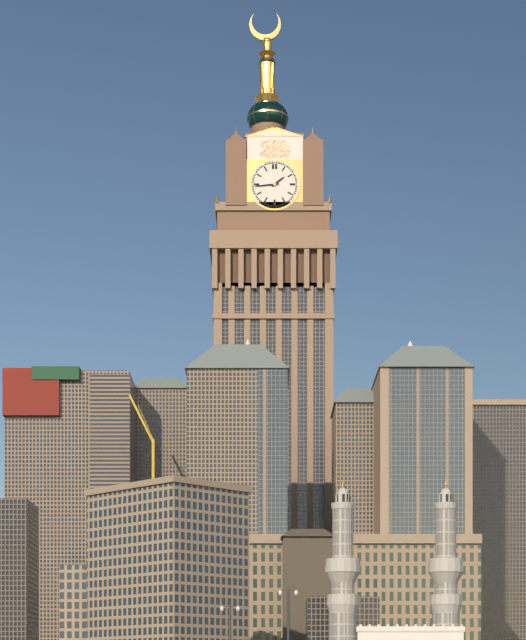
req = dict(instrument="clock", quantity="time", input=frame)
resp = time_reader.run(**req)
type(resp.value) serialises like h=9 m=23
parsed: h=1 m=44
